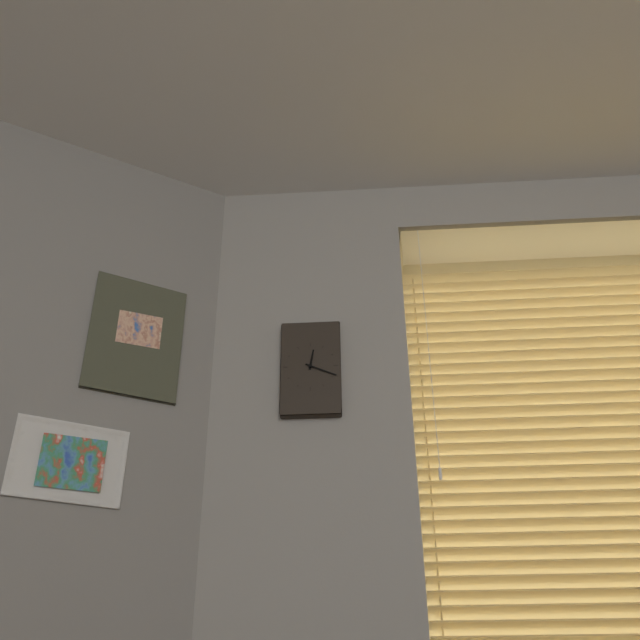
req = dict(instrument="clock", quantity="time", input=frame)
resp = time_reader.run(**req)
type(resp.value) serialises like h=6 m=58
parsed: h=12 m=19
